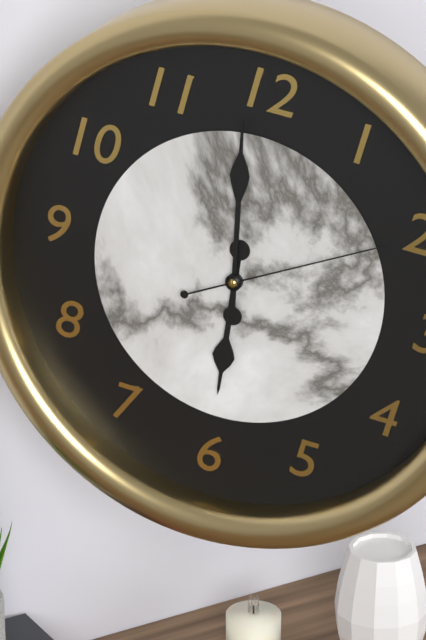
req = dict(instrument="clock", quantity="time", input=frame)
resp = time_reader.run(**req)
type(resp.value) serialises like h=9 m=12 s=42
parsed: h=5 m=59 s=10
